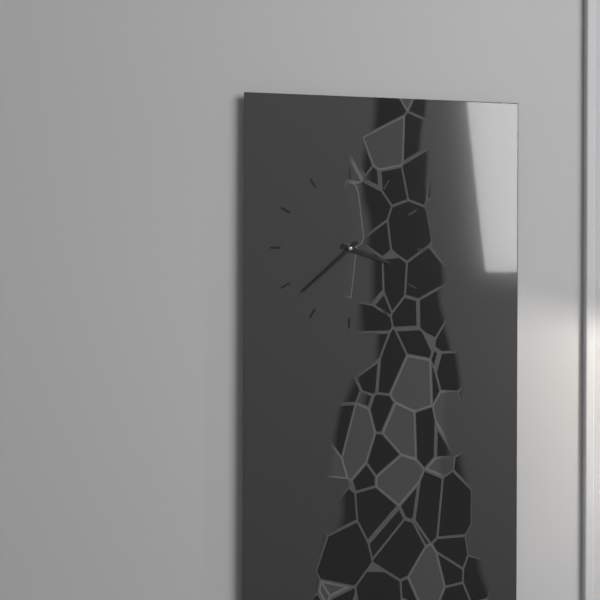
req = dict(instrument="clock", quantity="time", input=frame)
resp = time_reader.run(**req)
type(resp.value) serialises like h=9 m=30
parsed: h=3 m=38
